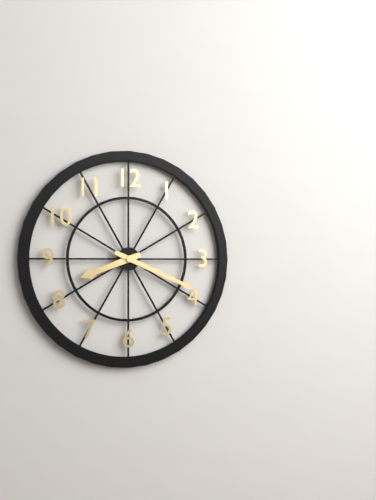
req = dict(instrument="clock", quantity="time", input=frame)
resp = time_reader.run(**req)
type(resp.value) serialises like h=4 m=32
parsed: h=8 m=19
